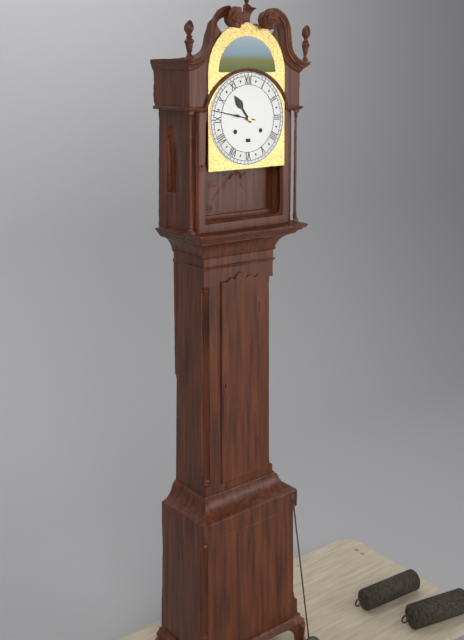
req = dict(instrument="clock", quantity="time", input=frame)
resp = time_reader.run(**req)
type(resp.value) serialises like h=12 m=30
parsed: h=10 m=47
